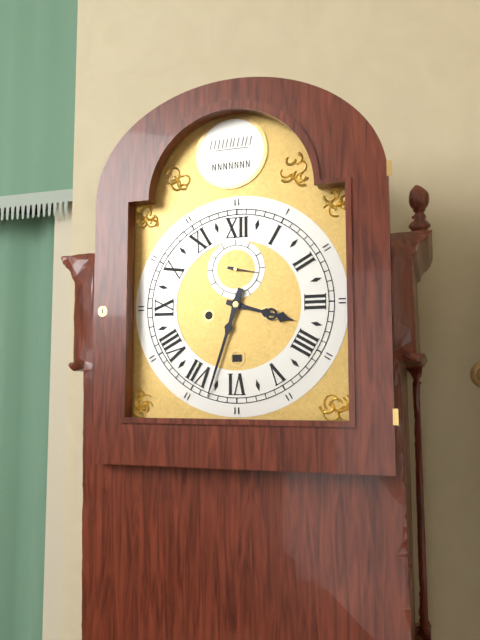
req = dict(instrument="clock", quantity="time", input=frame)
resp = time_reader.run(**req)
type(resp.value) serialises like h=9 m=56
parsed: h=3 m=33
